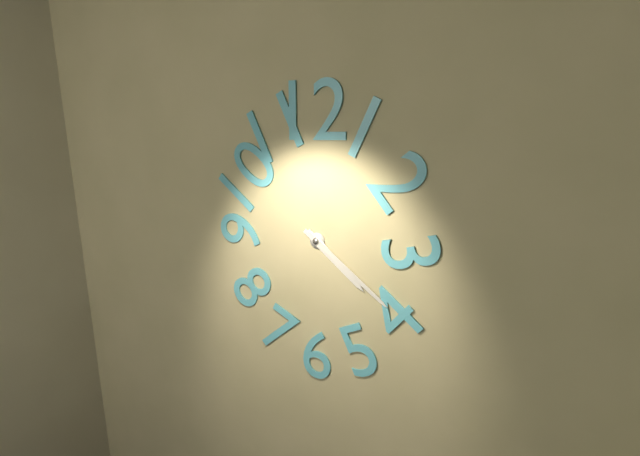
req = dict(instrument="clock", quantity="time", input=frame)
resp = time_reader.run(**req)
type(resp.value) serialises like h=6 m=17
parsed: h=4 m=21
